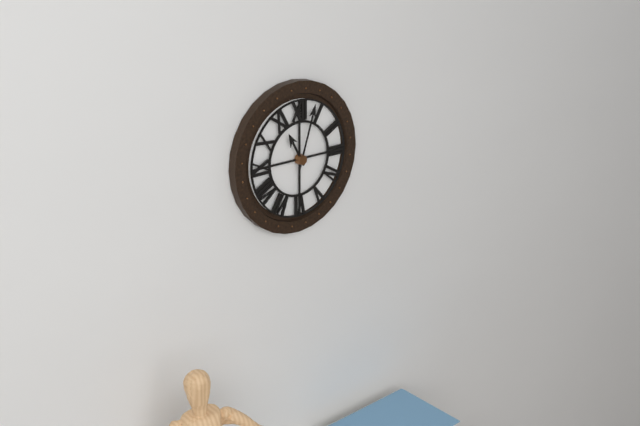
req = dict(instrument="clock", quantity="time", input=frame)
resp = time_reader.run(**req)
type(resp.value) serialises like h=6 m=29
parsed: h=11 m=3
